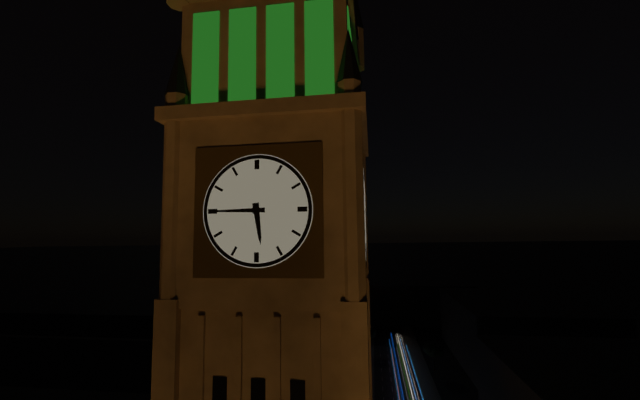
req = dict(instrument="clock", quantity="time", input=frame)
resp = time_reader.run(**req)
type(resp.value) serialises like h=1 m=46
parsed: h=5 m=45
